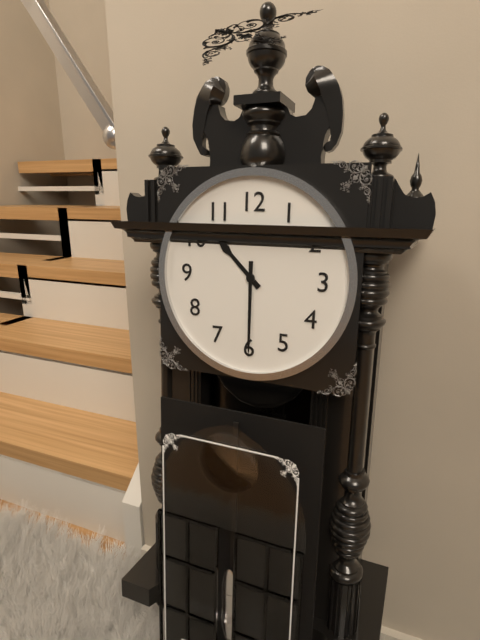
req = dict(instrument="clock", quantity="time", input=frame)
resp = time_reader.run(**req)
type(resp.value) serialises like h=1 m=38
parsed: h=10 m=30
